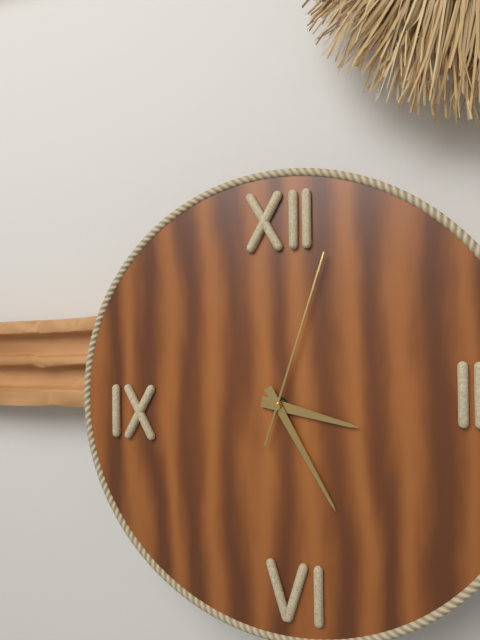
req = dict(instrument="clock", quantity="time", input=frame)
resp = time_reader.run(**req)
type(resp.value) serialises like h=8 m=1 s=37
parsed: h=3 m=25 s=3
